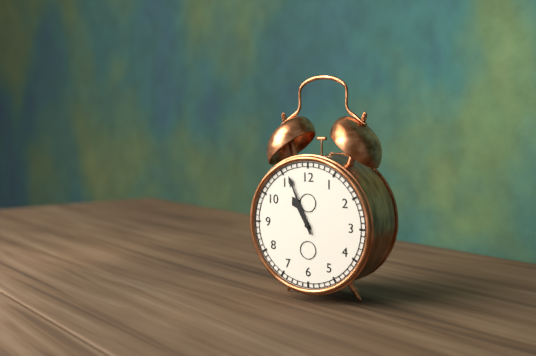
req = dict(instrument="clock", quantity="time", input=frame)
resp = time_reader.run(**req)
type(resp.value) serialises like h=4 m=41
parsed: h=10 m=56
